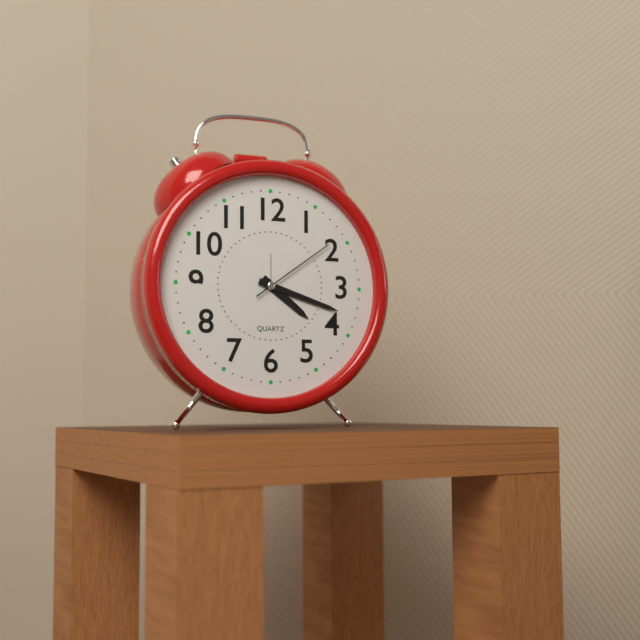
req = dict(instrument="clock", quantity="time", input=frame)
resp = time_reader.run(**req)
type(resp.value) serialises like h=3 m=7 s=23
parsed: h=4 m=18 s=9
